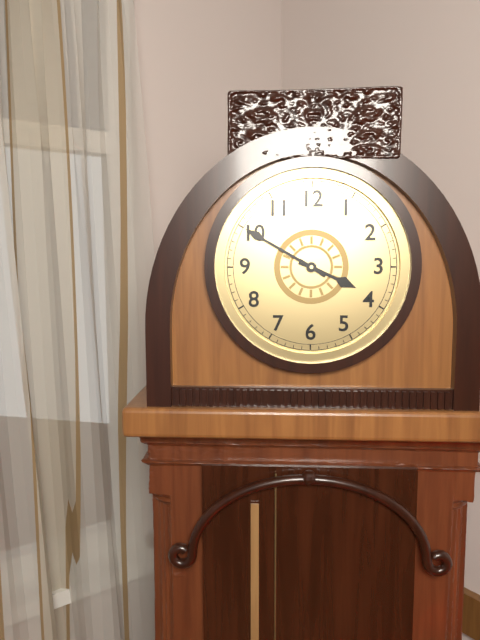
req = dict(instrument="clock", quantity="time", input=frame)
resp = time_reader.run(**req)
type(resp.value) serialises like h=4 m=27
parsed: h=3 m=50
